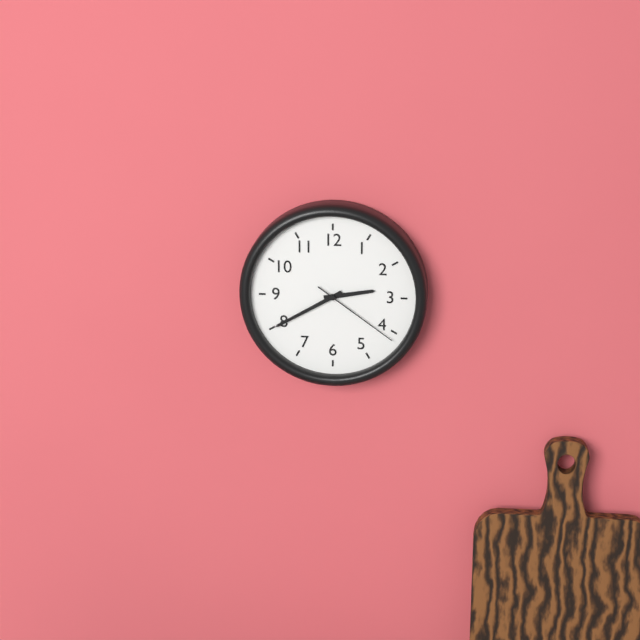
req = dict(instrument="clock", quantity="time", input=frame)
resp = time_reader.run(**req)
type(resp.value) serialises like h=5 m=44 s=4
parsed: h=2 m=40 s=21
